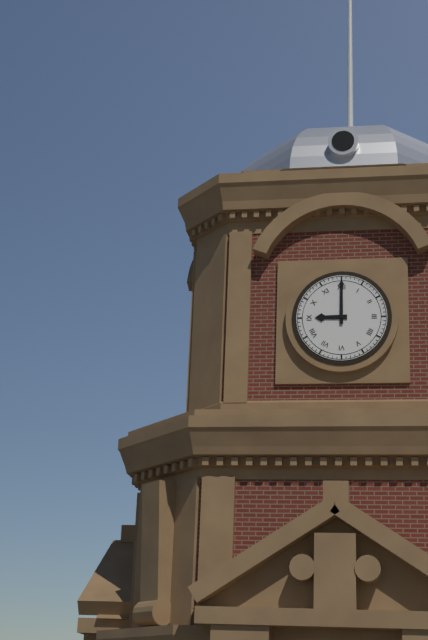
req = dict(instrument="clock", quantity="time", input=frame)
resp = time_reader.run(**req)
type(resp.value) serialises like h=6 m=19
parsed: h=9 m=0
